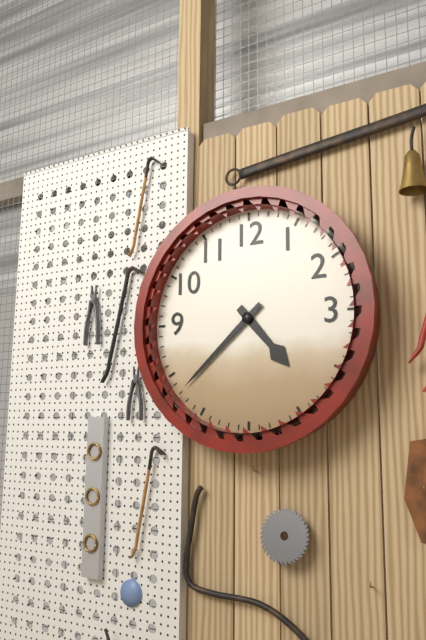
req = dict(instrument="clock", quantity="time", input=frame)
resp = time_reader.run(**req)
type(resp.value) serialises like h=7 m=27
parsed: h=4 m=38
